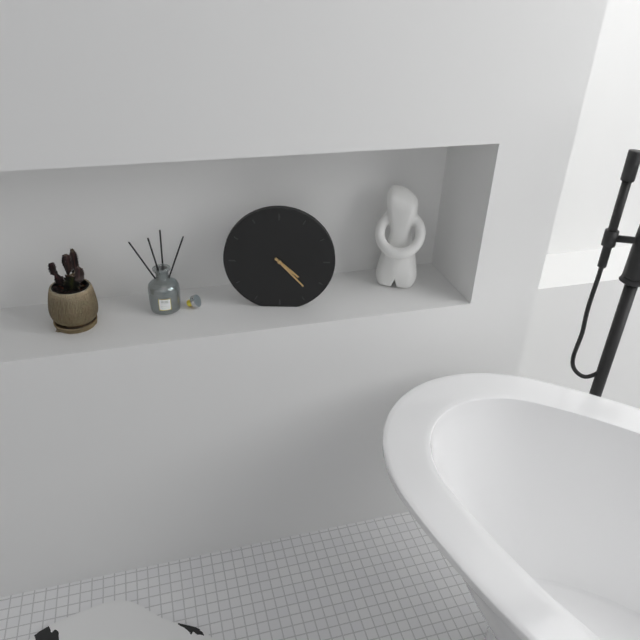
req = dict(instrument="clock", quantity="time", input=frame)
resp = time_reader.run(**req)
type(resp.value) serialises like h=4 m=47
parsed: h=4 m=23
